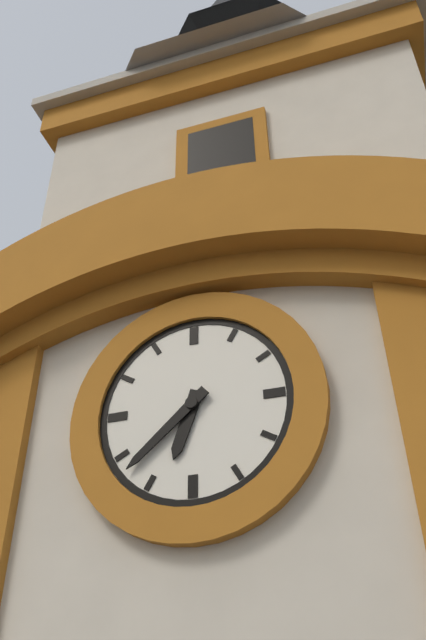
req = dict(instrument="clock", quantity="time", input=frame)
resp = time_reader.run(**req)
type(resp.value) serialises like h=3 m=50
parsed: h=6 m=38
